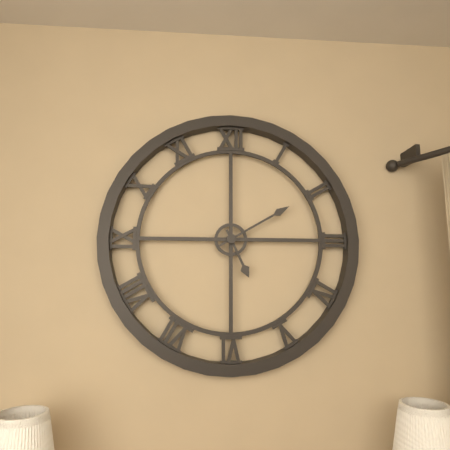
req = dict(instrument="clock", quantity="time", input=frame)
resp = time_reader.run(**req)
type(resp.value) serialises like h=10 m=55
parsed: h=5 m=10
